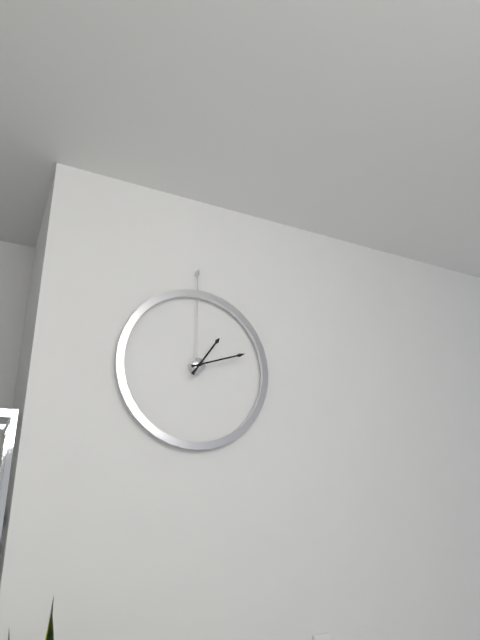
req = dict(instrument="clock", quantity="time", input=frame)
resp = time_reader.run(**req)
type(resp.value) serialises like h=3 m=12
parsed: h=1 m=12
